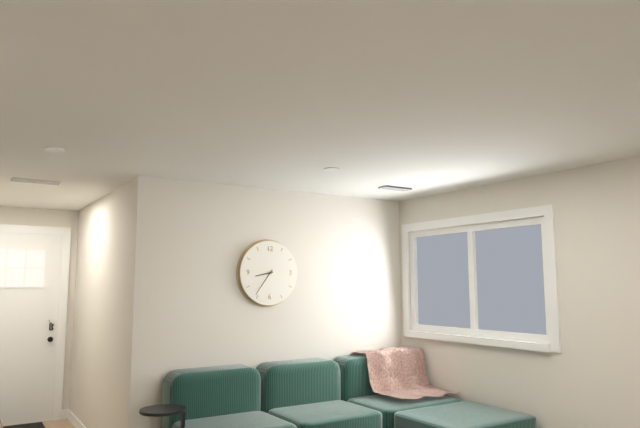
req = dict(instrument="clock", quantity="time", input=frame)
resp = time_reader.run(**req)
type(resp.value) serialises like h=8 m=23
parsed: h=8 m=36
